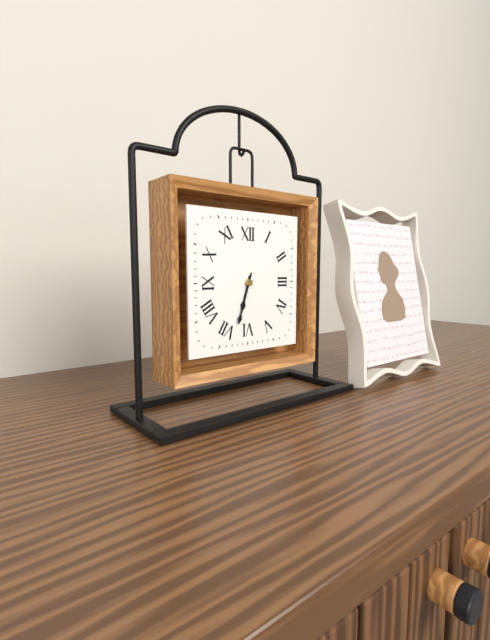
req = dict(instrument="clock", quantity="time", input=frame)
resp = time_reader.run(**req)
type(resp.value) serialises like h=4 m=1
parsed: h=6 m=33
